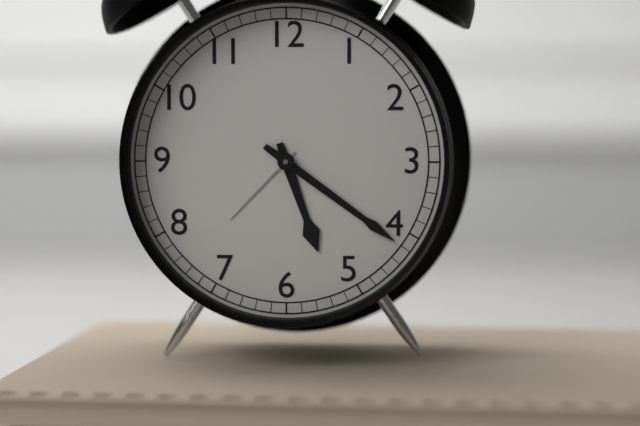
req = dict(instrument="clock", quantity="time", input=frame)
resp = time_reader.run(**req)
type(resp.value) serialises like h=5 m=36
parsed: h=5 m=21
